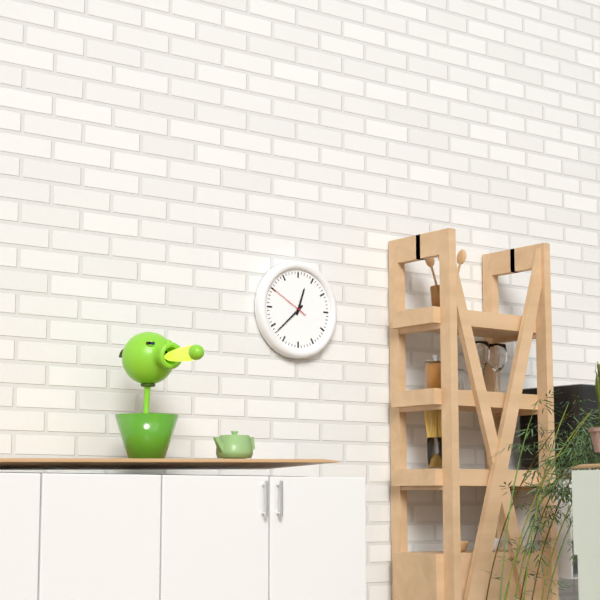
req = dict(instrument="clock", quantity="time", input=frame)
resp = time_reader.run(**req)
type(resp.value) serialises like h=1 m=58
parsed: h=12 m=38
